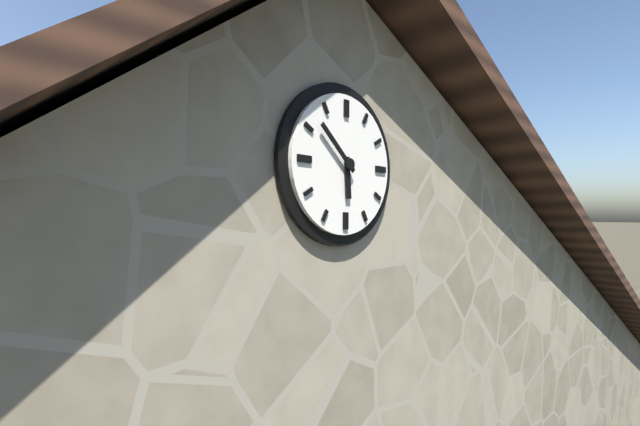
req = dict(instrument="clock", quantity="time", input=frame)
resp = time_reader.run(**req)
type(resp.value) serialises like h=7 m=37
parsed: h=5 m=52
